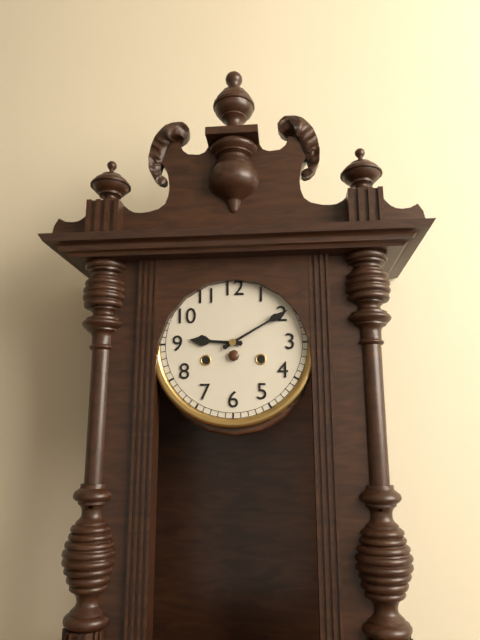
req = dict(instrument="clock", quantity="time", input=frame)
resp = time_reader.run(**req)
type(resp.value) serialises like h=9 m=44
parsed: h=9 m=10
